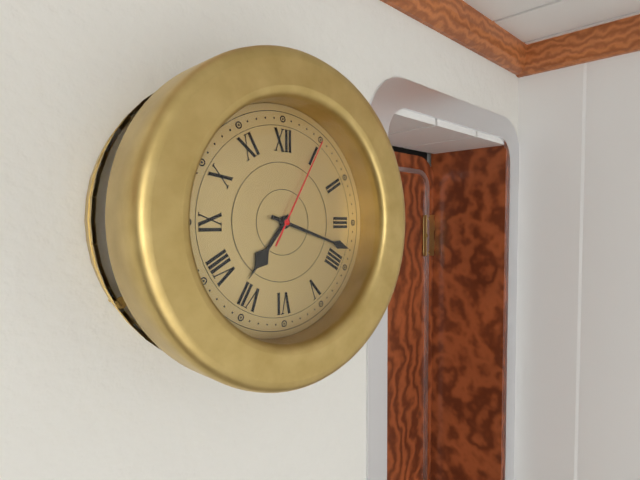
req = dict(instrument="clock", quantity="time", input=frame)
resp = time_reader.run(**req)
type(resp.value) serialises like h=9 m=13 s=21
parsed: h=7 m=18 s=5
